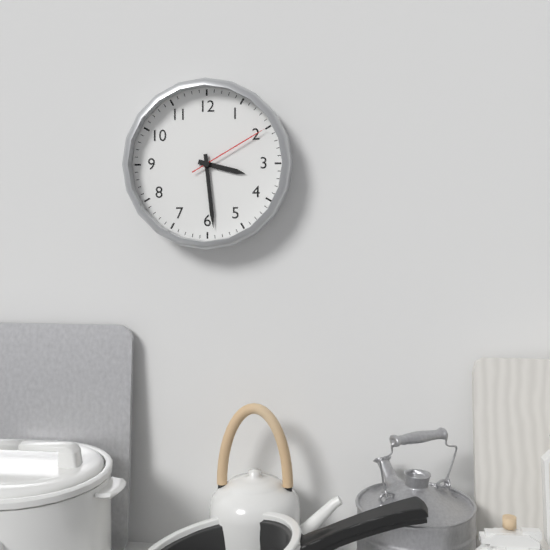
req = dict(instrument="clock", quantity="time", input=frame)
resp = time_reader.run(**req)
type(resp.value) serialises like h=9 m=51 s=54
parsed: h=3 m=29 s=10
